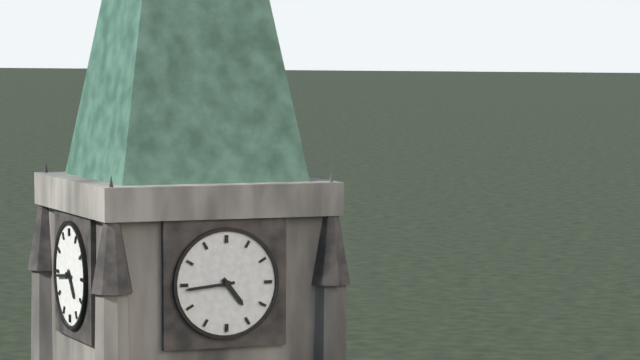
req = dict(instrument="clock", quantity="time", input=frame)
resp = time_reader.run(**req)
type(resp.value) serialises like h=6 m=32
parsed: h=4 m=44
